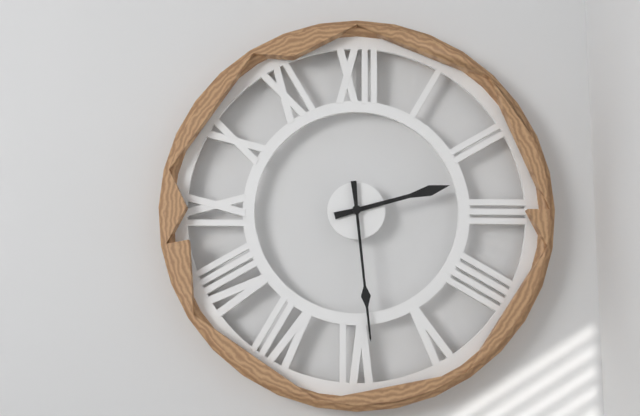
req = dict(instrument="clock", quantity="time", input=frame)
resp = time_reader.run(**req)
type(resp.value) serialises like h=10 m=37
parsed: h=2 m=29
